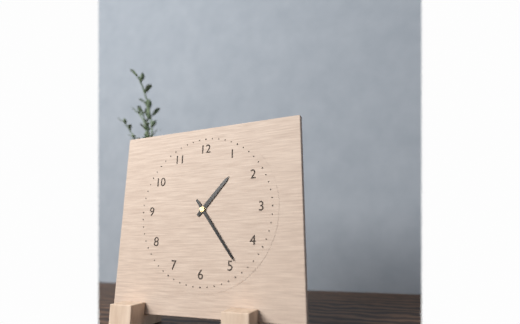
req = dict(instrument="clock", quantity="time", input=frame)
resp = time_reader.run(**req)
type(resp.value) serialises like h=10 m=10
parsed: h=1 m=24
